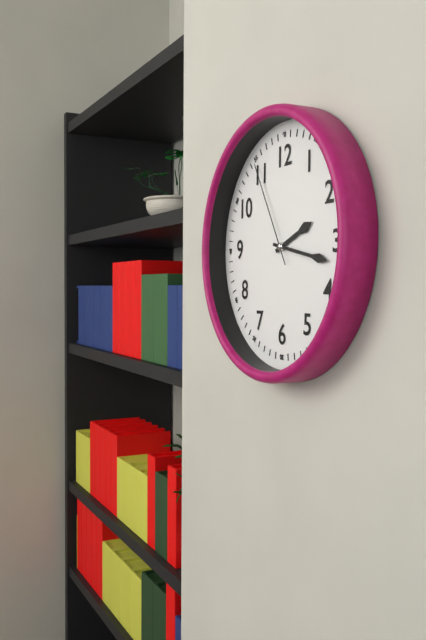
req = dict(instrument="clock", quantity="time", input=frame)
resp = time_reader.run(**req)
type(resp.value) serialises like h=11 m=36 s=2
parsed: h=2 m=17 s=55
